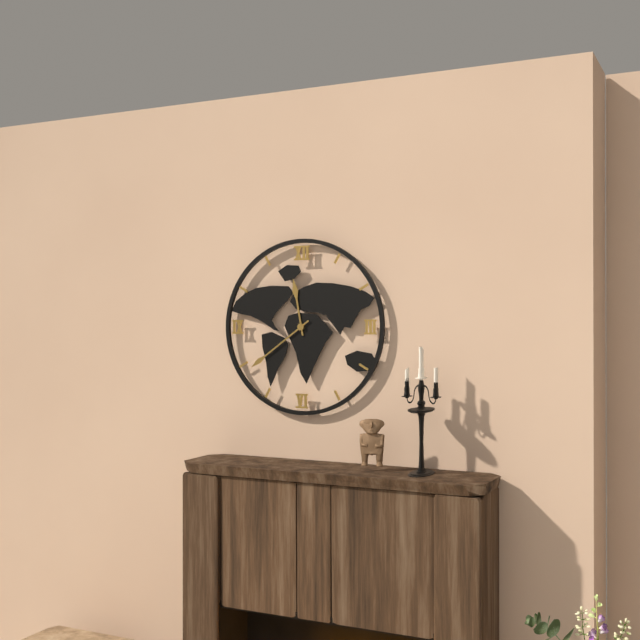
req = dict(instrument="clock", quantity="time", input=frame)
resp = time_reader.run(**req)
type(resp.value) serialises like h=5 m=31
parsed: h=11 m=39
